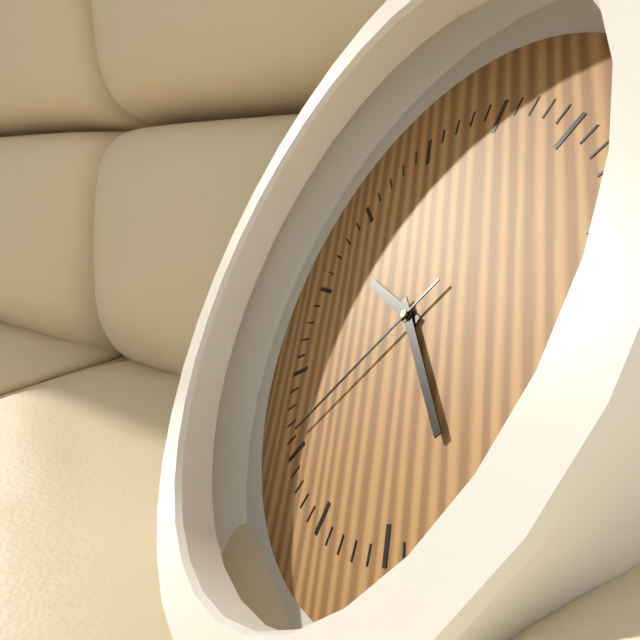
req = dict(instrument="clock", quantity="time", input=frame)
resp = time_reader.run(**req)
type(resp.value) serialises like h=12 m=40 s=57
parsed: h=10 m=26 s=41
